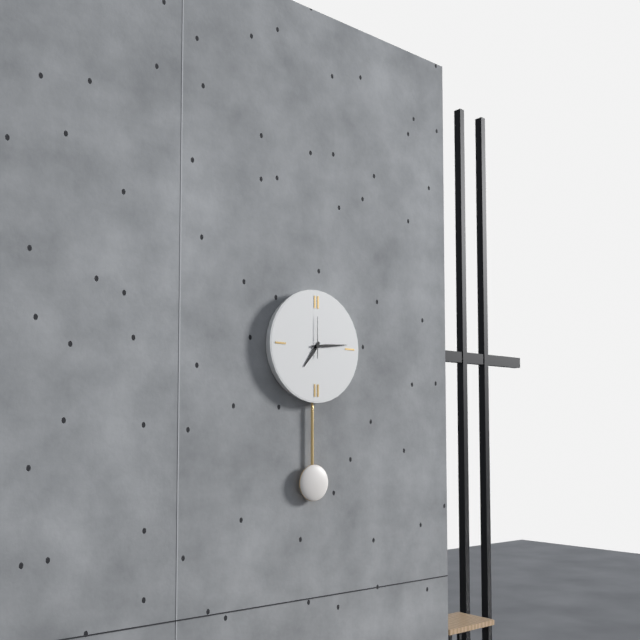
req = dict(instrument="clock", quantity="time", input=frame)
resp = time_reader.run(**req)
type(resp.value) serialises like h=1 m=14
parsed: h=7 m=14
